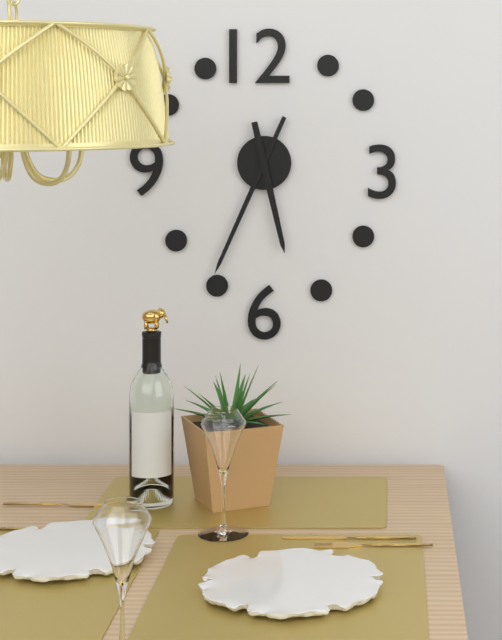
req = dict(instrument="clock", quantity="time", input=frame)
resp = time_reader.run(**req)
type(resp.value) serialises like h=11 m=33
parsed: h=5 m=34
